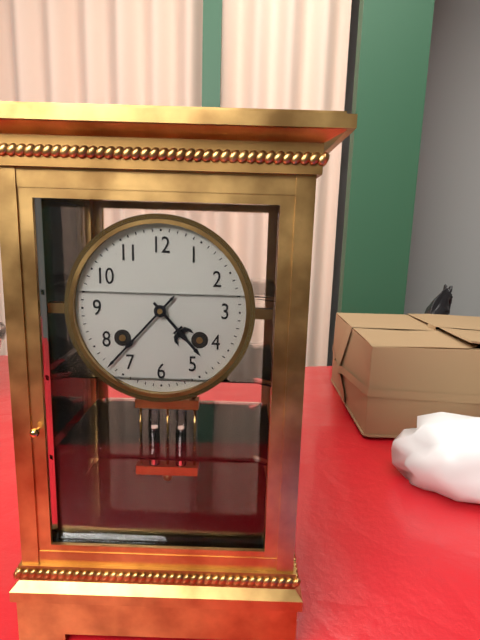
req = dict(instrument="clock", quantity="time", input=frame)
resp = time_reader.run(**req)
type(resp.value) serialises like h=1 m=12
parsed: h=4 m=37
